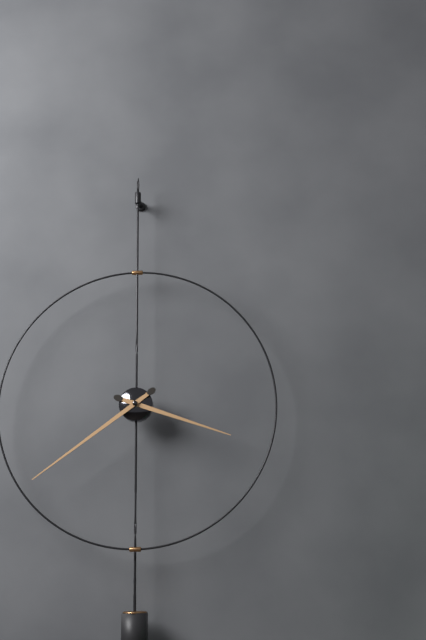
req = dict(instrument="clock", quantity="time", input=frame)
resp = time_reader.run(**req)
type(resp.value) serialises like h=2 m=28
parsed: h=3 m=39
